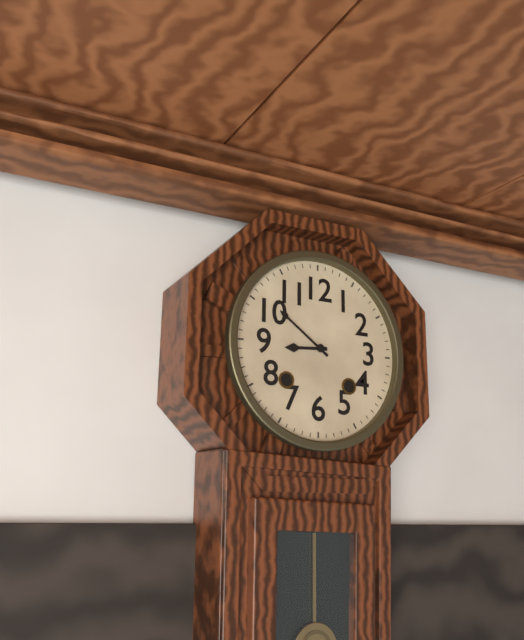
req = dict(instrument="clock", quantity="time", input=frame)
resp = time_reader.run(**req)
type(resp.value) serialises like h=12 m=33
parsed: h=8 m=51
